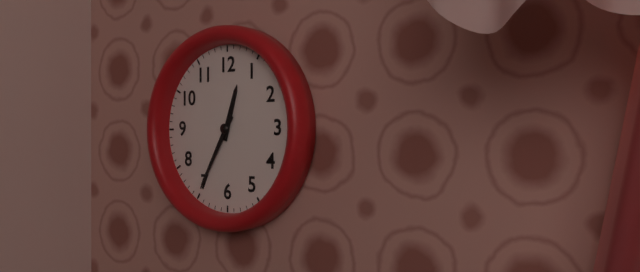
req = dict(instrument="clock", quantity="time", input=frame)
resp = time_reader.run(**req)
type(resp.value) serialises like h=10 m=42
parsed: h=12 m=35
